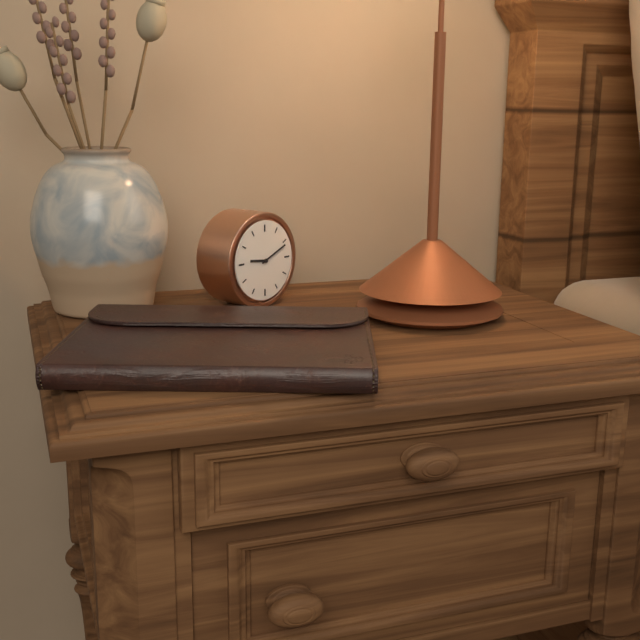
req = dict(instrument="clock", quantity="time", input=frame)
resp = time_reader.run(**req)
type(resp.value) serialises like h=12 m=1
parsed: h=9 m=11
